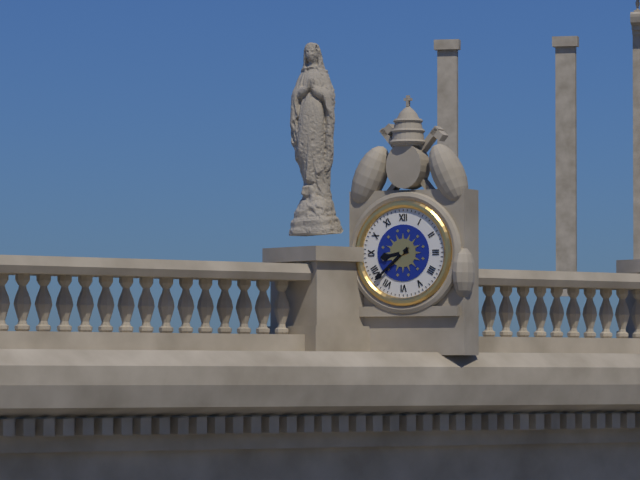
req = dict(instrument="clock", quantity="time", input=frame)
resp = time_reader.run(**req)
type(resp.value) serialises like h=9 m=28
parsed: h=8 m=38
